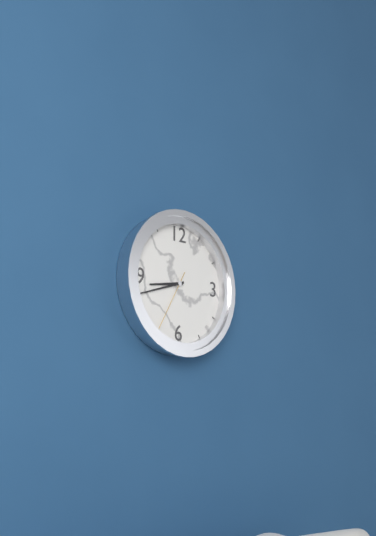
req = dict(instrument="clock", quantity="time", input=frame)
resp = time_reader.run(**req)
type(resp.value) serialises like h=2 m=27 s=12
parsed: h=8 m=42 s=35
